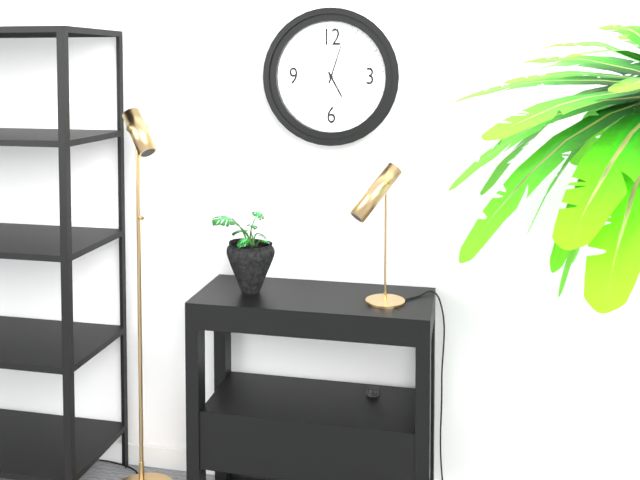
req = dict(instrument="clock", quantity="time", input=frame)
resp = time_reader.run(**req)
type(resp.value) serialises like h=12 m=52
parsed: h=5 m=3
